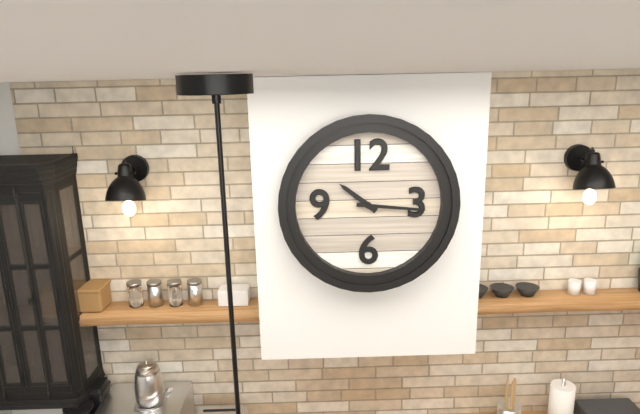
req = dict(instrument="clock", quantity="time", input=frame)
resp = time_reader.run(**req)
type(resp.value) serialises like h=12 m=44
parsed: h=10 m=16
